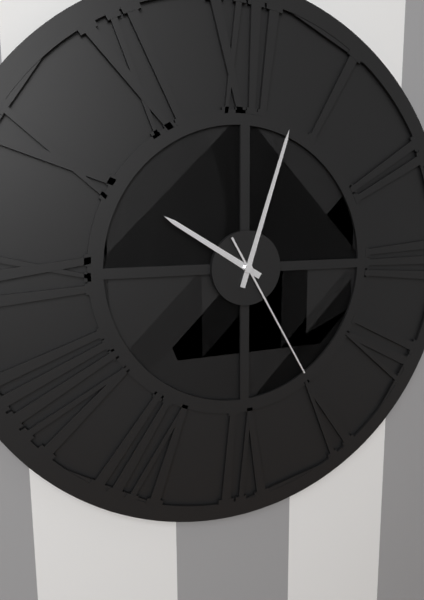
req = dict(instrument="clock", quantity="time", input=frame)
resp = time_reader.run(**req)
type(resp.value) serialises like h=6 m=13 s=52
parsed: h=10 m=3 s=25
